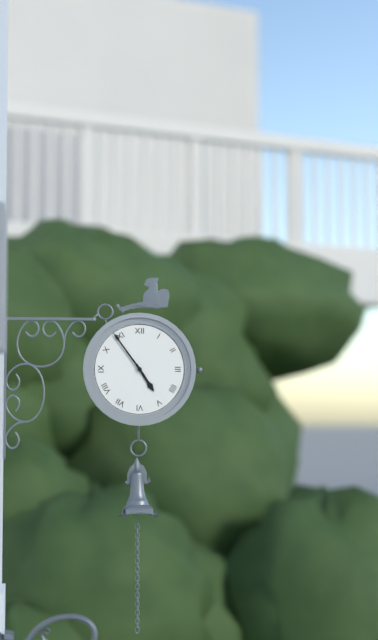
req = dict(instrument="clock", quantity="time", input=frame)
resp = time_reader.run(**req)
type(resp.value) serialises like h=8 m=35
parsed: h=4 m=54
